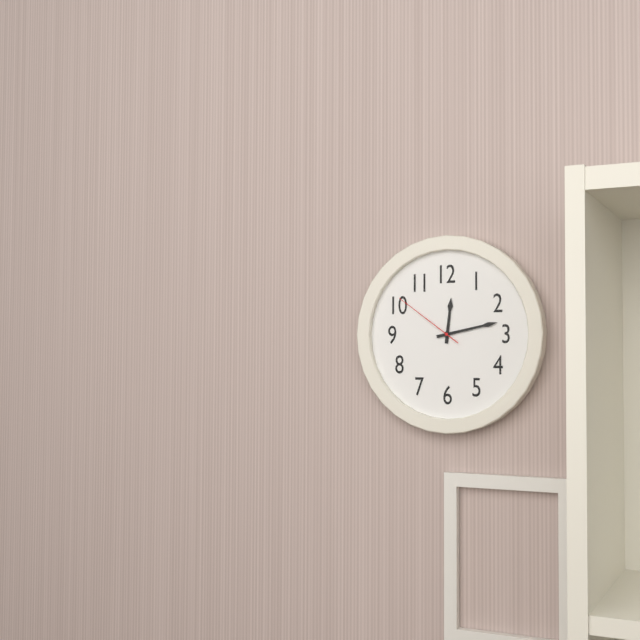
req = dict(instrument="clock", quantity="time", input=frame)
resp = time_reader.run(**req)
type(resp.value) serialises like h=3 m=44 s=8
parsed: h=12 m=13 s=51
